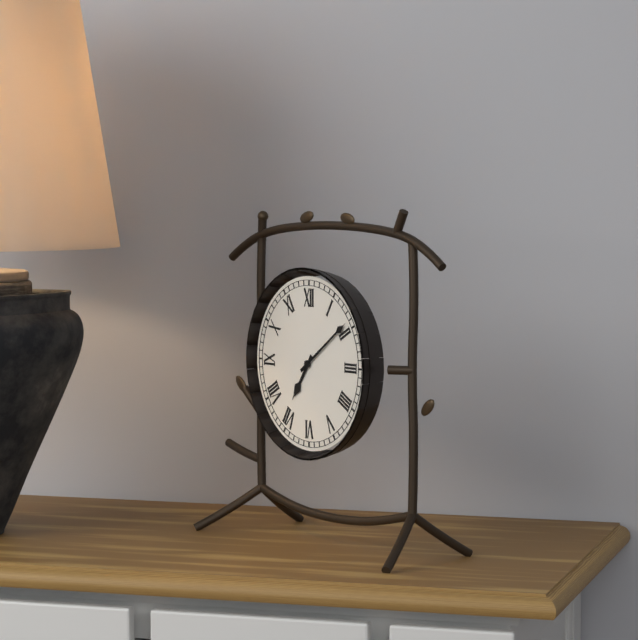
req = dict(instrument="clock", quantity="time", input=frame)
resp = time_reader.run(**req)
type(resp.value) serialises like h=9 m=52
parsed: h=7 m=9
